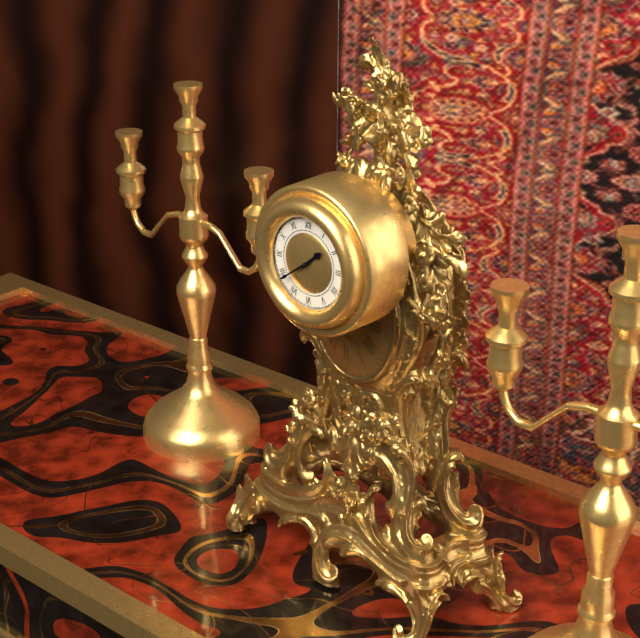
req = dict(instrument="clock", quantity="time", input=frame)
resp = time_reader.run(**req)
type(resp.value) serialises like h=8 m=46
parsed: h=1 m=39
